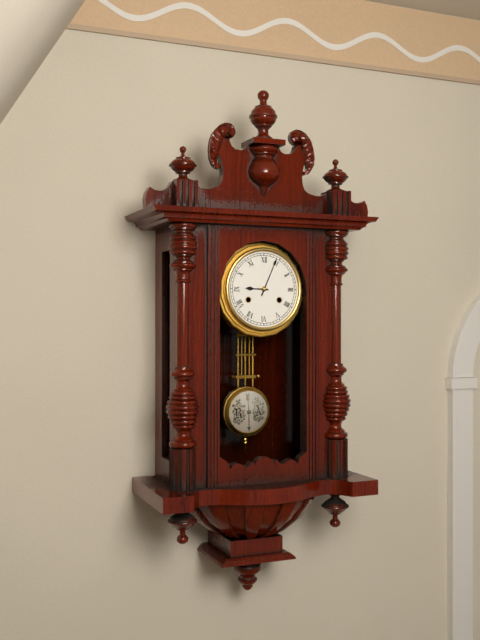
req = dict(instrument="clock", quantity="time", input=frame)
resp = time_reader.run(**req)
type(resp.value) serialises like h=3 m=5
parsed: h=9 m=4
